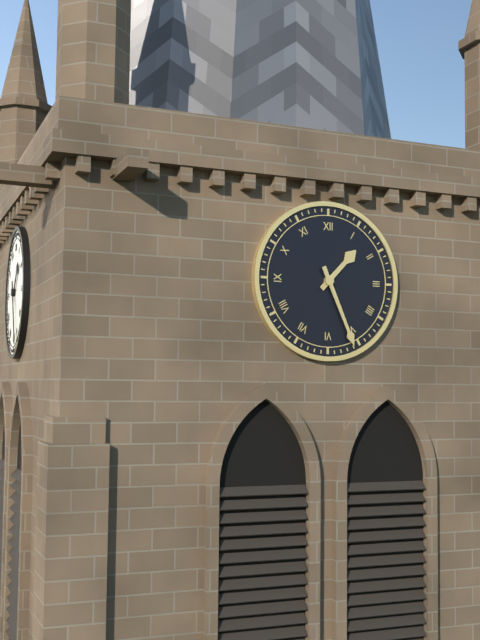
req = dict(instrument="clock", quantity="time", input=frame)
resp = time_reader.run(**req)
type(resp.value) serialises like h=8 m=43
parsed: h=1 m=26
